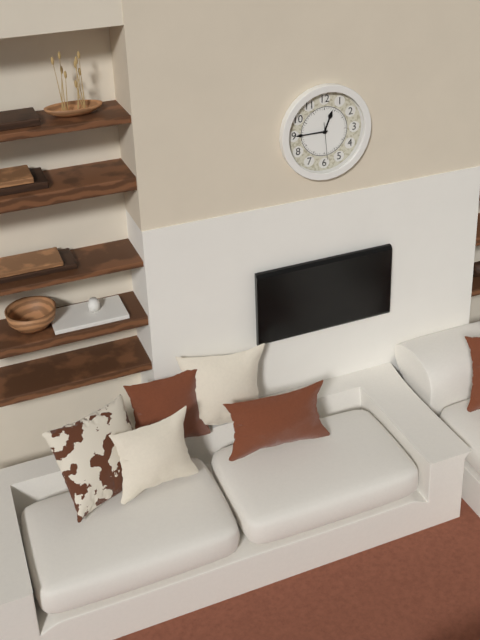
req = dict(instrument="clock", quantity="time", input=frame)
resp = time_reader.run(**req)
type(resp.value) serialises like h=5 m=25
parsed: h=12 m=45
